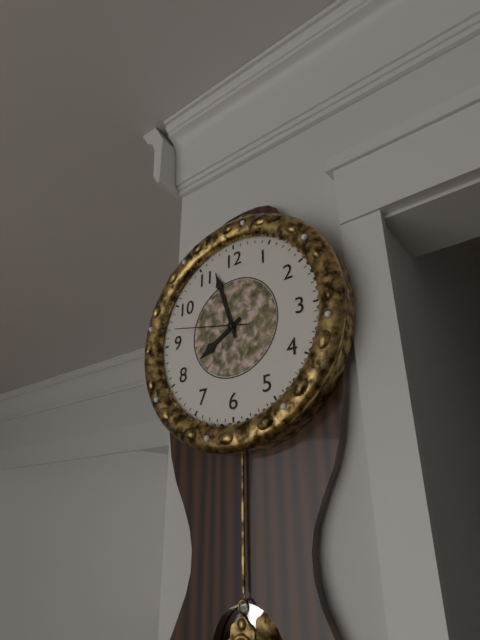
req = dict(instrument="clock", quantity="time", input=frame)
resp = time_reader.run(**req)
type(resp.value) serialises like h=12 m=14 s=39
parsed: h=7 m=57 s=47
